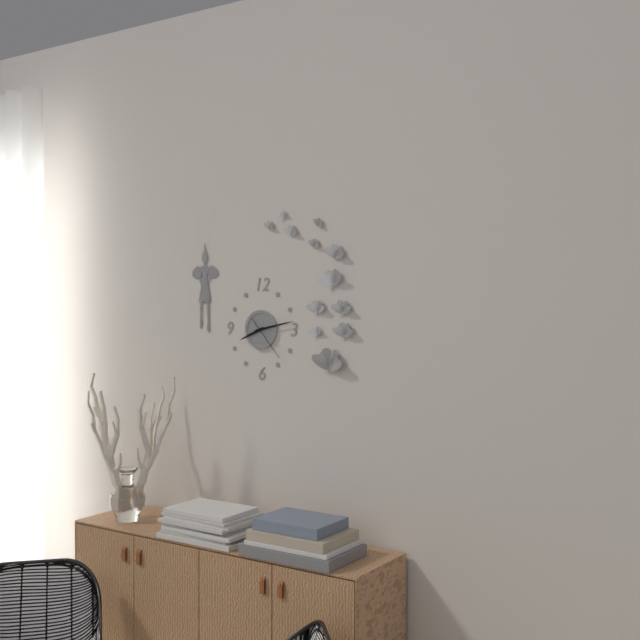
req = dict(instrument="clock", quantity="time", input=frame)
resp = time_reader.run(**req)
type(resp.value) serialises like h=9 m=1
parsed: h=8 m=13
